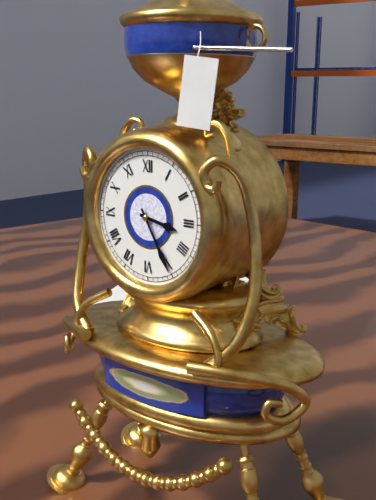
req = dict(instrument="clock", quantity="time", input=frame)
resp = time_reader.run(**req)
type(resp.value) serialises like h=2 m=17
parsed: h=3 m=25
